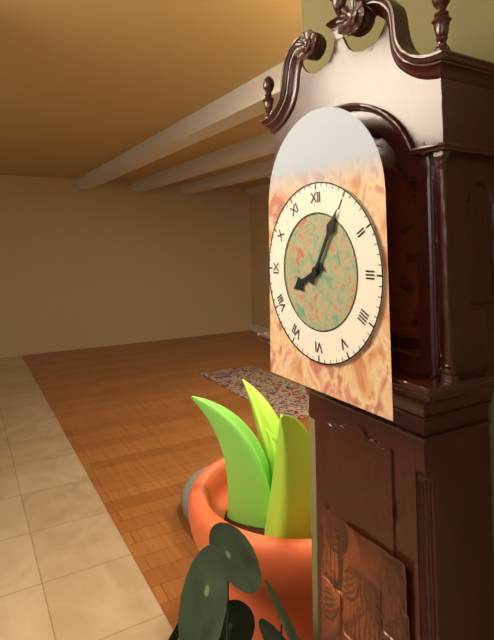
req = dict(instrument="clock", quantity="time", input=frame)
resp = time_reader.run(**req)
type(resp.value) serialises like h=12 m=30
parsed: h=8 m=5
